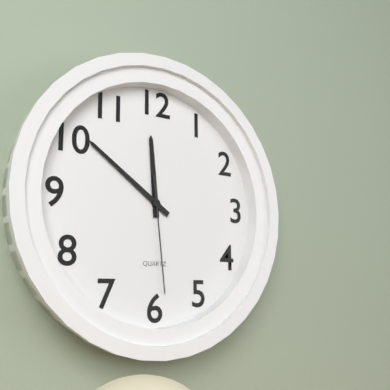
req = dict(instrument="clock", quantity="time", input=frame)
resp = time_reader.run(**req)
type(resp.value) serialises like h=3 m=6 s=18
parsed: h=11 m=51 s=29
